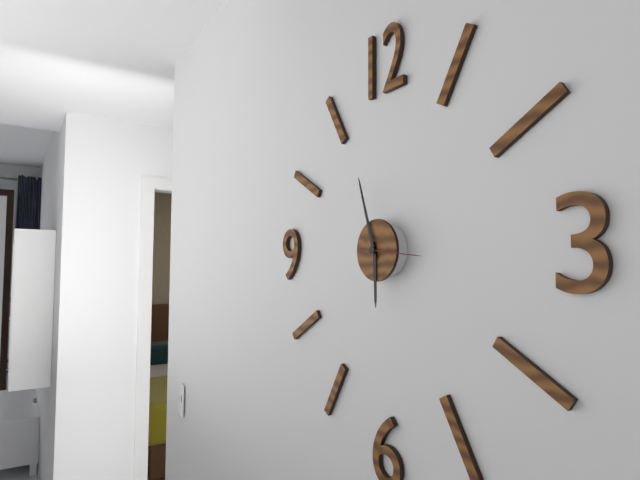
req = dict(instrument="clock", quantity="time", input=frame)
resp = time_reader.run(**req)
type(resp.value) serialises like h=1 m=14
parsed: h=5 m=57
